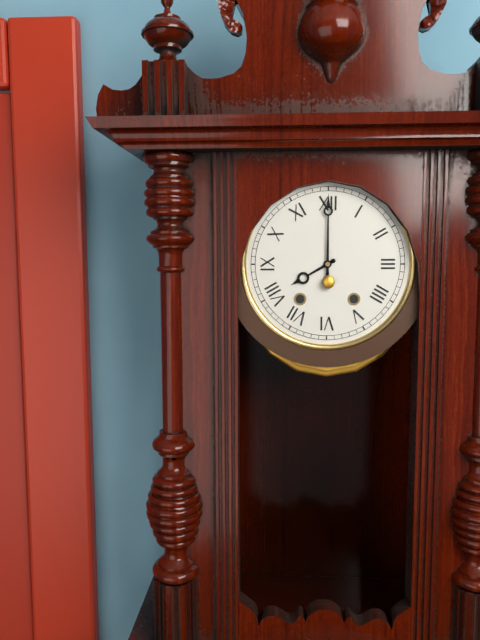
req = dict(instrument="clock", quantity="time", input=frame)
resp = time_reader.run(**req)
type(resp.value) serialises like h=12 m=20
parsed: h=8 m=0
